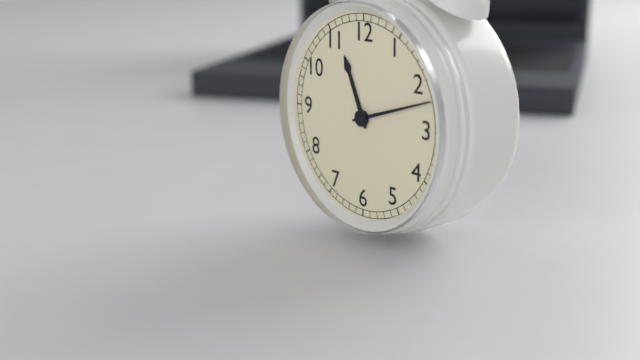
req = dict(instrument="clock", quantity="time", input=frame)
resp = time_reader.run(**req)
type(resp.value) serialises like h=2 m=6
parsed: h=11 m=12
